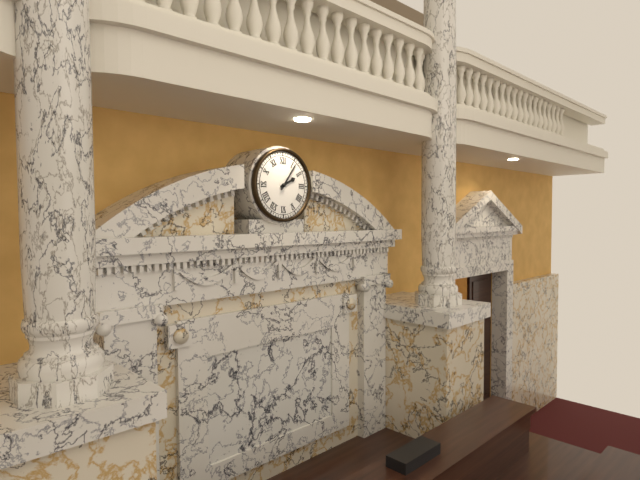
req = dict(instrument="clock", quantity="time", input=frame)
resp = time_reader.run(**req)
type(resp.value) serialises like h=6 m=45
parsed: h=2 m=6
